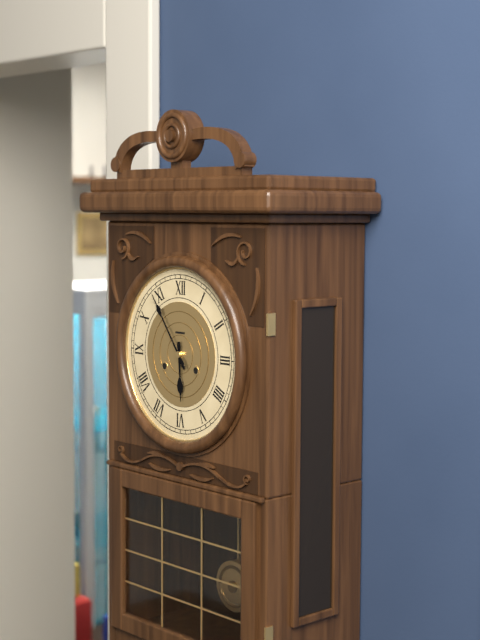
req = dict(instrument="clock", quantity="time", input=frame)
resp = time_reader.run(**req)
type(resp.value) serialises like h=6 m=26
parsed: h=5 m=54
